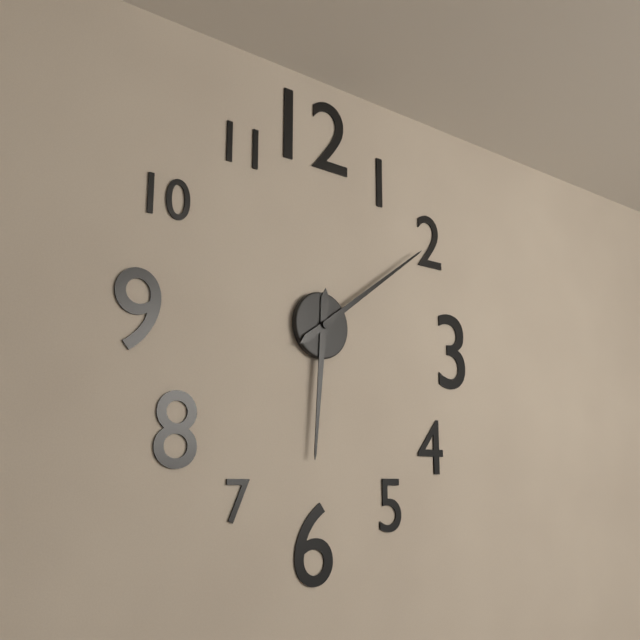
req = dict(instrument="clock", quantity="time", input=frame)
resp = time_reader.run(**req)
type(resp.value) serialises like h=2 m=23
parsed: h=6 m=9
